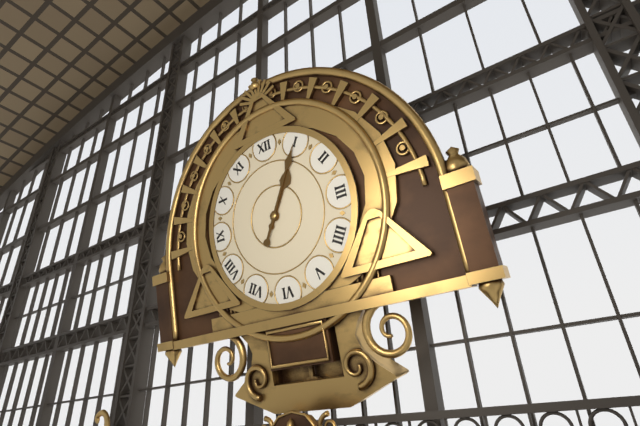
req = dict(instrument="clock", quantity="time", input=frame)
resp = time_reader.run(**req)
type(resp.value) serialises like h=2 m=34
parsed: h=1 m=5
